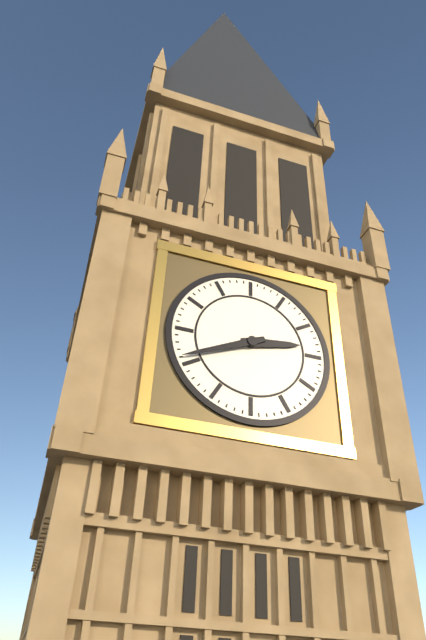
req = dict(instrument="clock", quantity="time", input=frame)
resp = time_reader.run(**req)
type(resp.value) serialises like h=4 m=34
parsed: h=2 m=41
